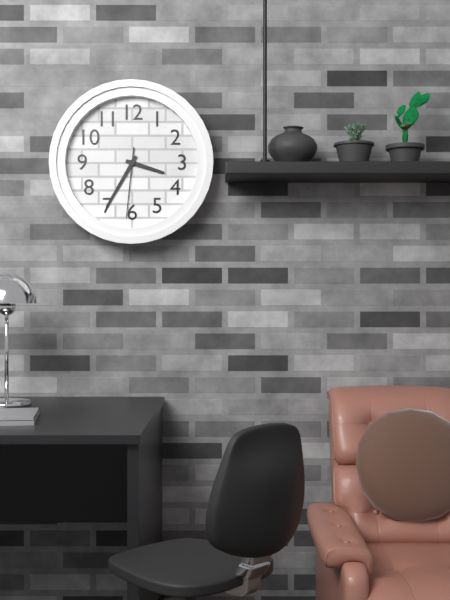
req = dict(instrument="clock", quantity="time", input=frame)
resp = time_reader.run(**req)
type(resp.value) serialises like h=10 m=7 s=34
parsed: h=3 m=35 s=31
